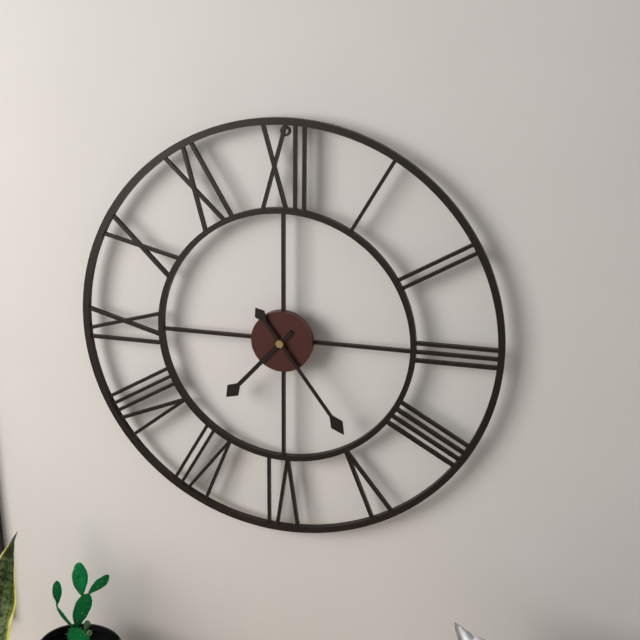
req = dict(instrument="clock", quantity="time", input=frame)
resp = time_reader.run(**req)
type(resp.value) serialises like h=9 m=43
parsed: h=7 m=24
